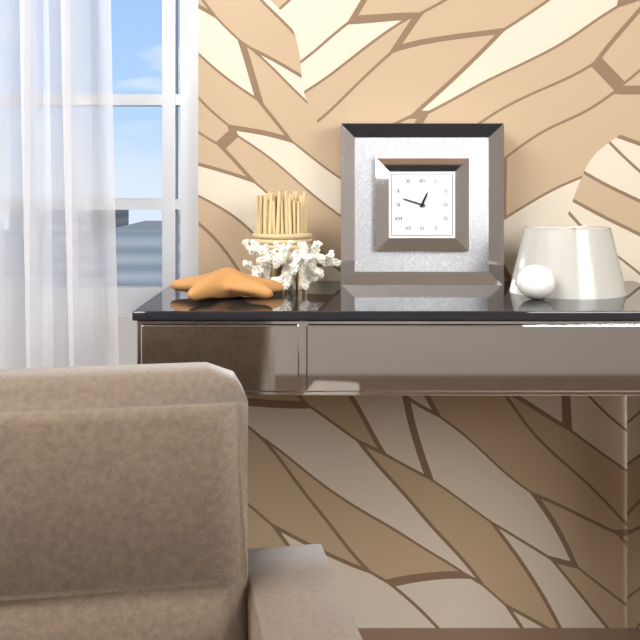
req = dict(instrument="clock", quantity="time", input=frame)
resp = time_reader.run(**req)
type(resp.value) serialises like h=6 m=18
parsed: h=12 m=48
